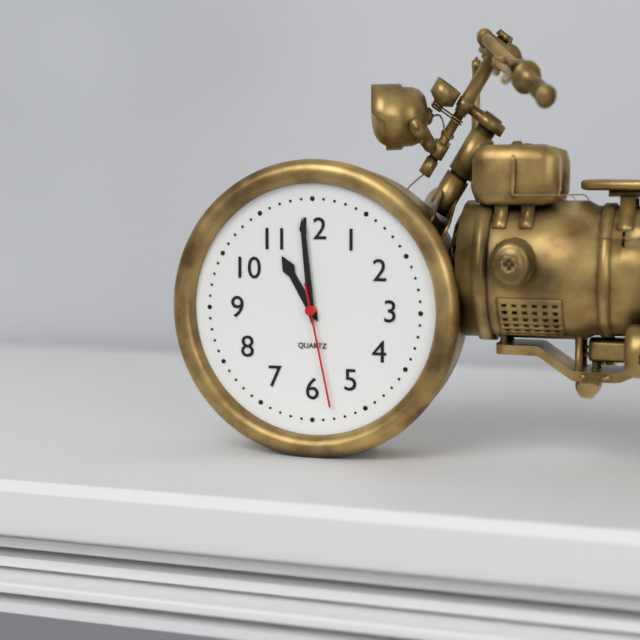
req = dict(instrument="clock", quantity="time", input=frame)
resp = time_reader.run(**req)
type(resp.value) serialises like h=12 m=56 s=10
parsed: h=10 m=59 s=28
